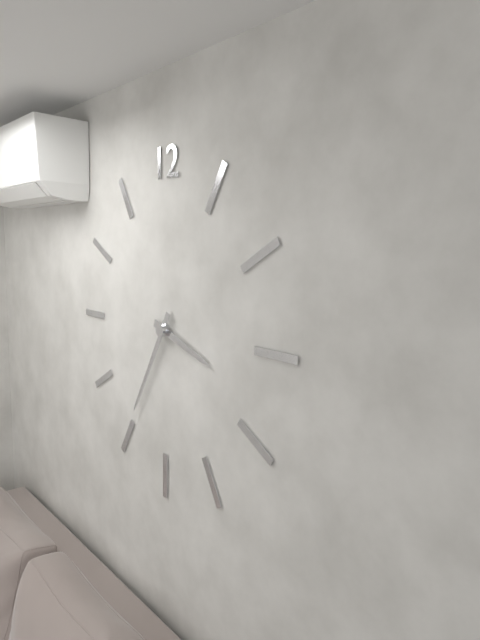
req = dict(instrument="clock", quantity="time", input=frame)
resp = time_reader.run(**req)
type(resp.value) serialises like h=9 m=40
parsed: h=3 m=35
